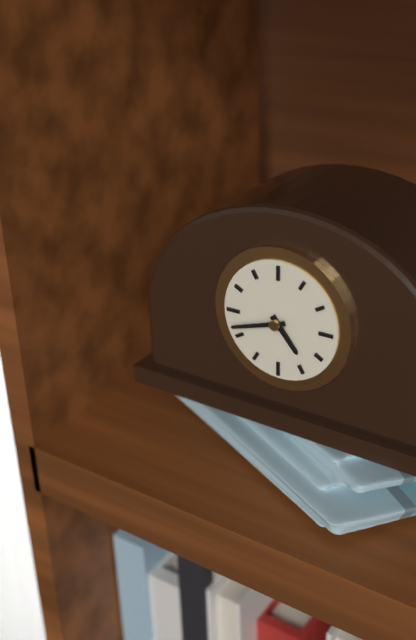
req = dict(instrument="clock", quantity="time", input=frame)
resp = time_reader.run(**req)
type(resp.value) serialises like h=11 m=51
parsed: h=4 m=42
